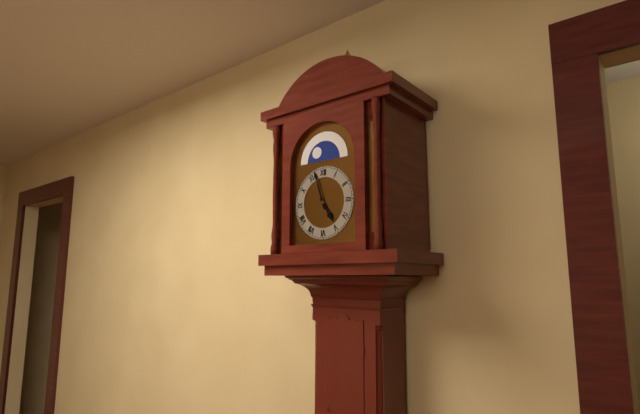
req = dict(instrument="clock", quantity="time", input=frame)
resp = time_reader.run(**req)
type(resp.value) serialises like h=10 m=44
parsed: h=4 m=57
